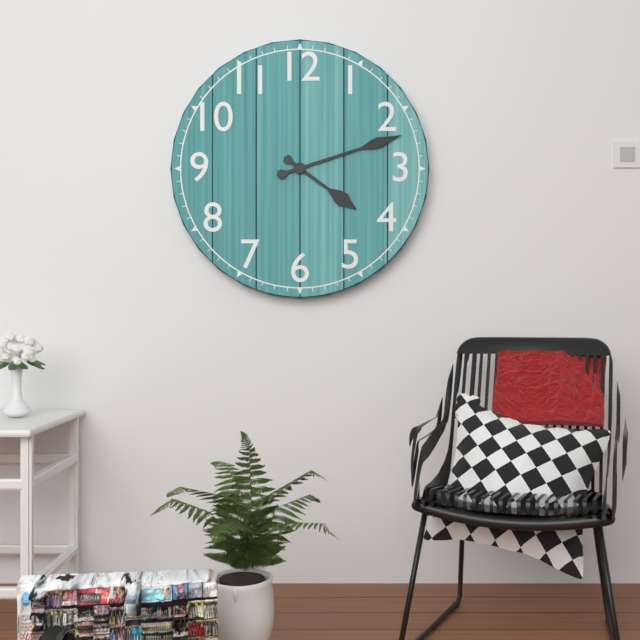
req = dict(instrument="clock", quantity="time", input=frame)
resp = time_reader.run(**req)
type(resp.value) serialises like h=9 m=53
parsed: h=4 m=12
